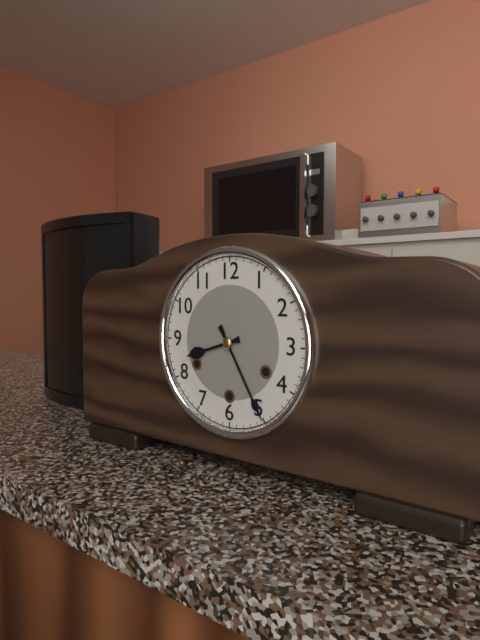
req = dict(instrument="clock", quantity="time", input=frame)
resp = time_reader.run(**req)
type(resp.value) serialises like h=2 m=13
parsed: h=8 m=25
